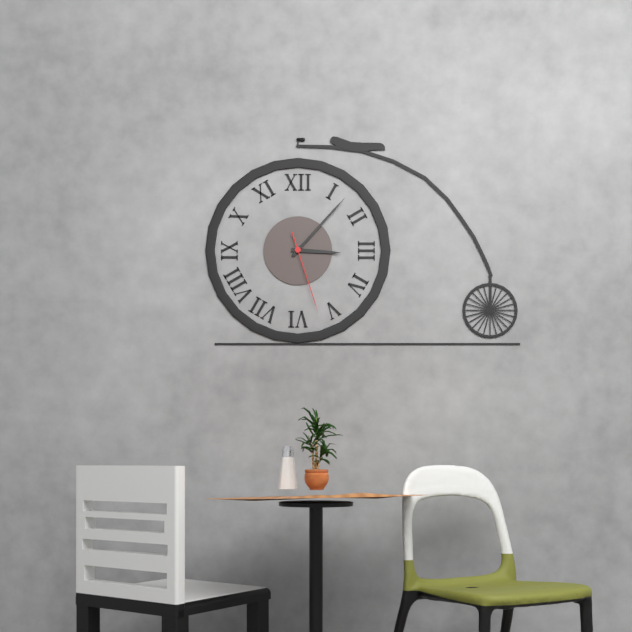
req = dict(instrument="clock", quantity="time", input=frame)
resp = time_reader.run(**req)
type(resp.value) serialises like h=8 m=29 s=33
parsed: h=3 m=7 s=27
